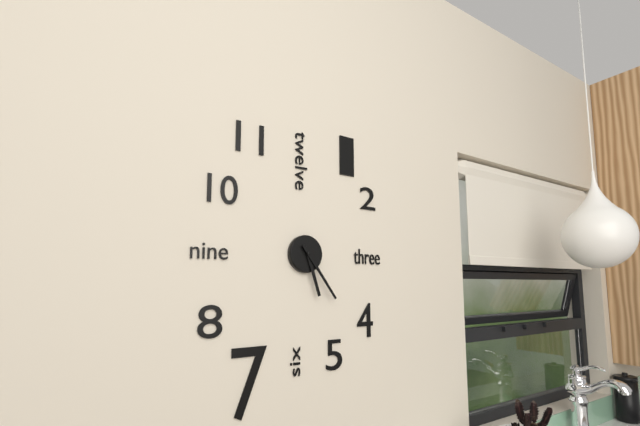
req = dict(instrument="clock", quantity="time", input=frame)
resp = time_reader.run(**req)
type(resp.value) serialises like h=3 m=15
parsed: h=5 m=24
